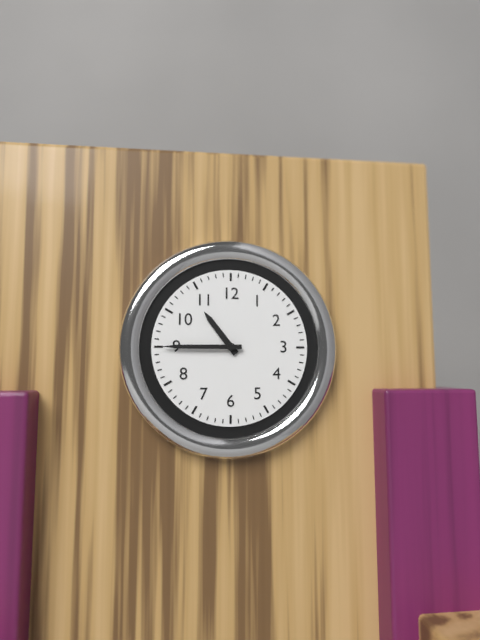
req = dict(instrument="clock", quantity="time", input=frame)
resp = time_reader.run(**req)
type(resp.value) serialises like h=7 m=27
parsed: h=10 m=45
